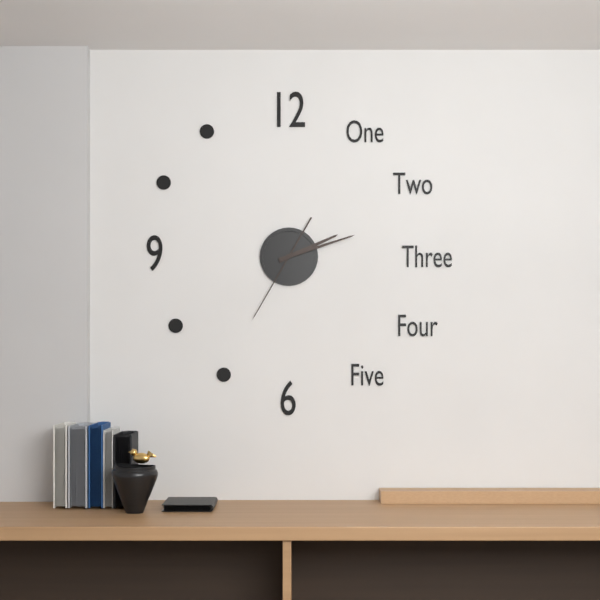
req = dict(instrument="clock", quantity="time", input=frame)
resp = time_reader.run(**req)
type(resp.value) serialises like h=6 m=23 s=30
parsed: h=2 m=12 s=35
